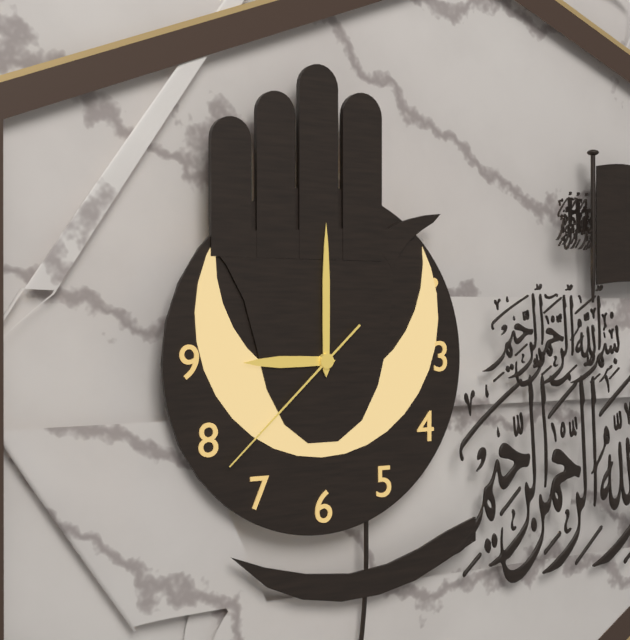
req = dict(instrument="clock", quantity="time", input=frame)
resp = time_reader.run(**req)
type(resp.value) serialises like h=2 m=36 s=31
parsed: h=9 m=0 s=38
